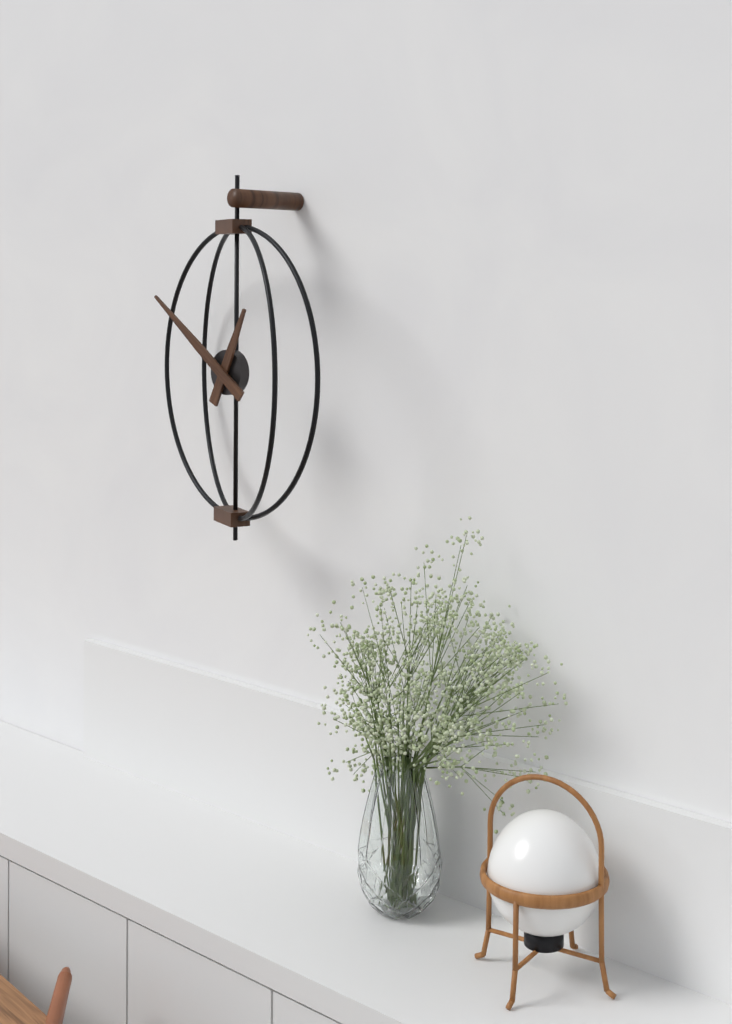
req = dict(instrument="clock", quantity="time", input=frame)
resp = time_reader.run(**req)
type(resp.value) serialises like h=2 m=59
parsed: h=12 m=51
